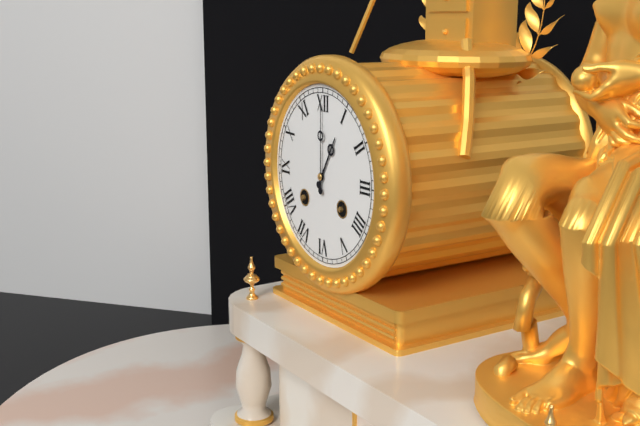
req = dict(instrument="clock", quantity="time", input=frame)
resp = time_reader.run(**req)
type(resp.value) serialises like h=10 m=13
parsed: h=1 m=0
